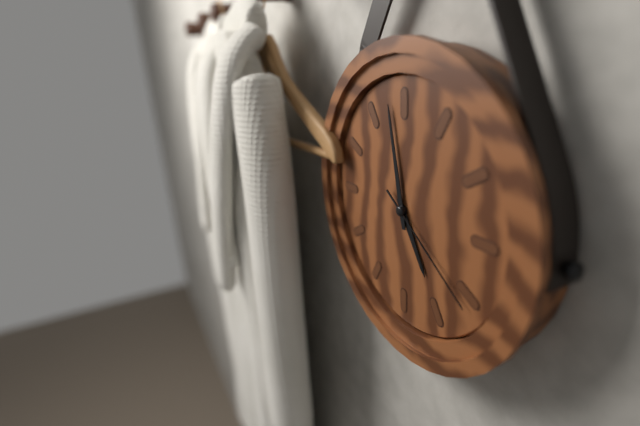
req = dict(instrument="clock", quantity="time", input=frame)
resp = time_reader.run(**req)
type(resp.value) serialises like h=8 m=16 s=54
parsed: h=4 m=58 s=21
